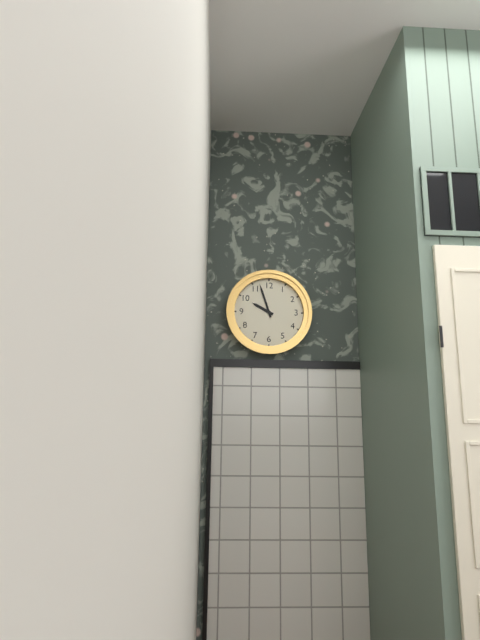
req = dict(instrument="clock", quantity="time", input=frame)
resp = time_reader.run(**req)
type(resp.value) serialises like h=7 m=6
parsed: h=9 m=57
